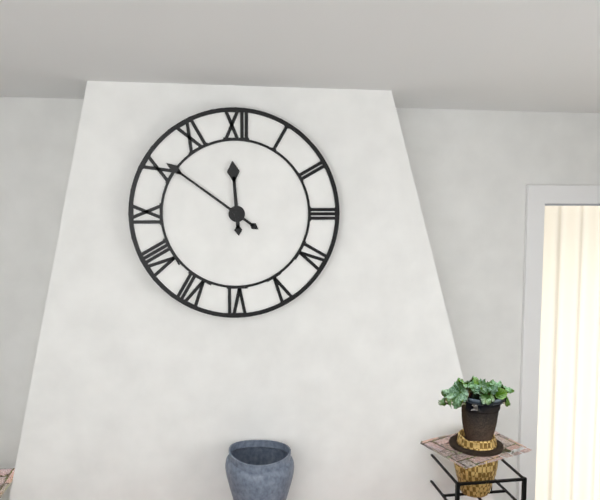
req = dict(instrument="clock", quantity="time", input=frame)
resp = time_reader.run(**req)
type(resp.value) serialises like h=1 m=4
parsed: h=11 m=51
